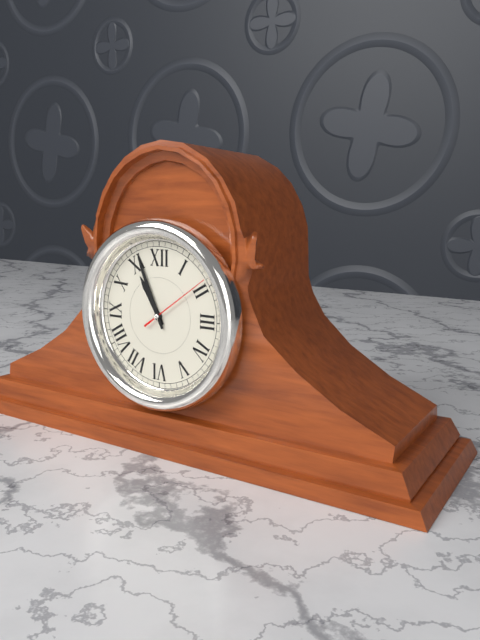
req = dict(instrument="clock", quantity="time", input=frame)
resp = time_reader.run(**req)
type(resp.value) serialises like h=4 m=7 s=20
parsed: h=10 m=56 s=9
